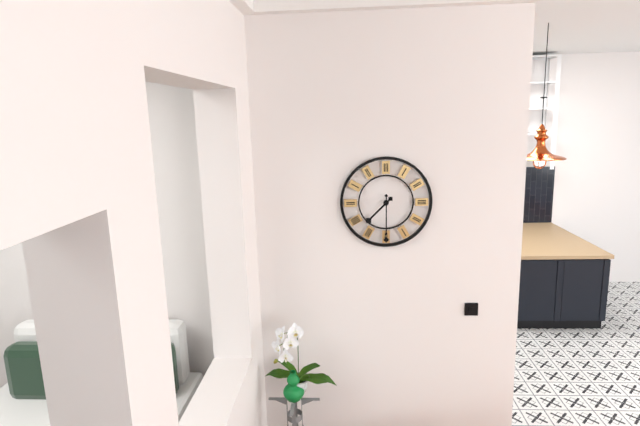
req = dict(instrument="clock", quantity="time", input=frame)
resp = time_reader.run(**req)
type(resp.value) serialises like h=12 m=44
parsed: h=7 m=30
